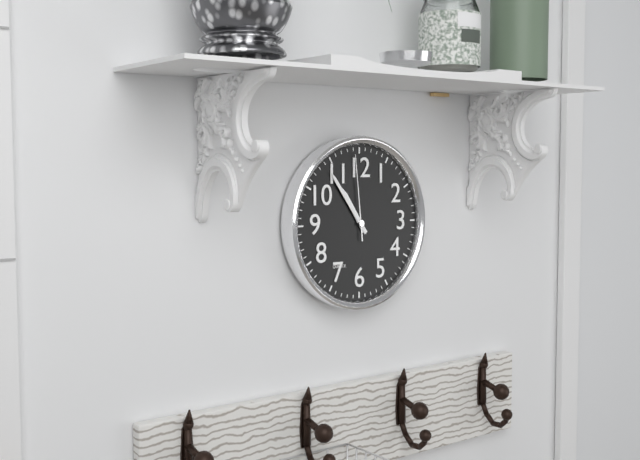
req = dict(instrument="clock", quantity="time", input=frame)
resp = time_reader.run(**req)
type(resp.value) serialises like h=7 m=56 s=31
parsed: h=10 m=54 s=59
